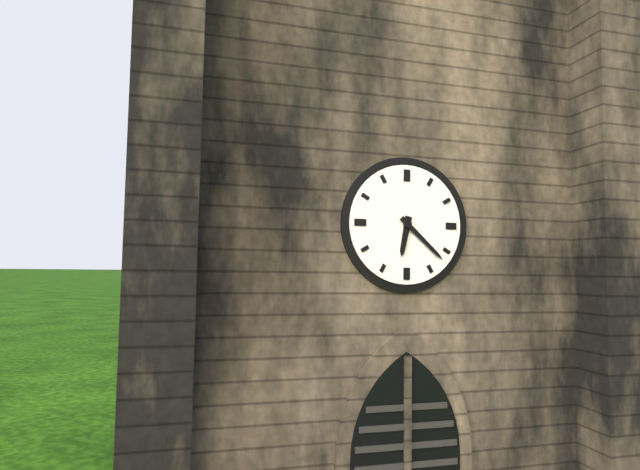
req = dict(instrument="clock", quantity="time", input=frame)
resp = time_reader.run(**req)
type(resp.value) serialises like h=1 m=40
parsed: h=6 m=22
